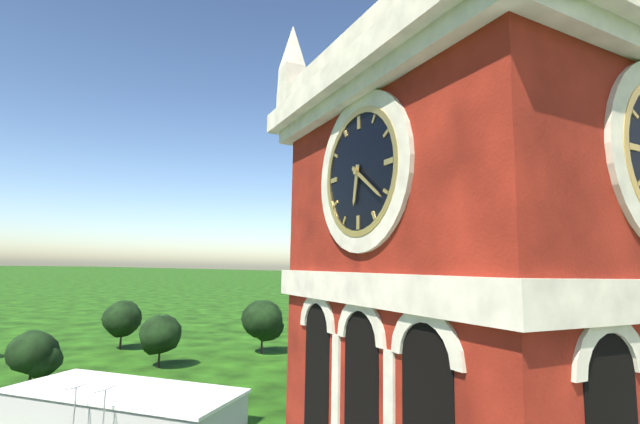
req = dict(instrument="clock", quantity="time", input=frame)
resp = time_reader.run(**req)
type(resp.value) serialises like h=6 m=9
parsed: h=6 m=21
